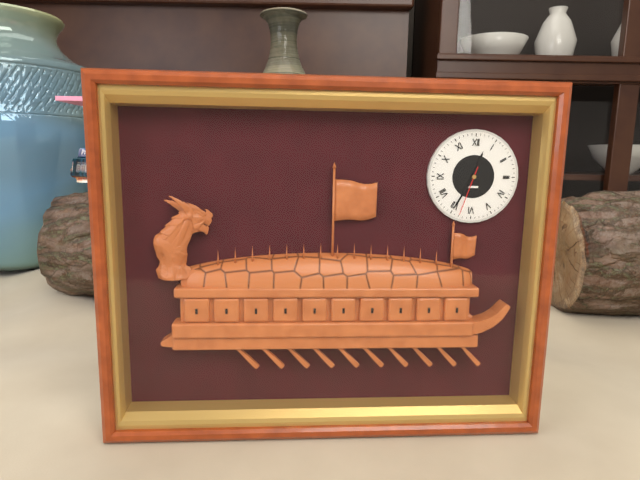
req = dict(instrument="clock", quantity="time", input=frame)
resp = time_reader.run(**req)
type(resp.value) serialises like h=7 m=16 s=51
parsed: h=12 m=35 s=33
